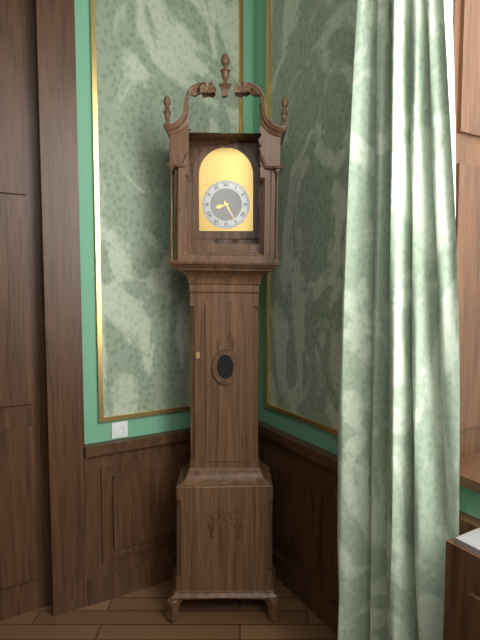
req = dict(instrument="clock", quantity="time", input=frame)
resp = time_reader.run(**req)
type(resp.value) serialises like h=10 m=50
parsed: h=8 m=25
